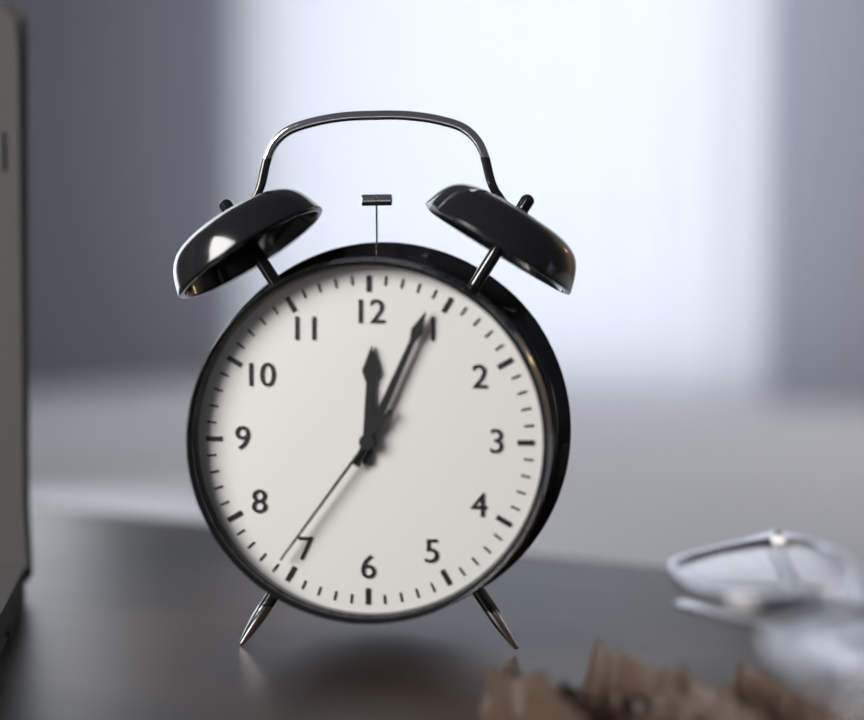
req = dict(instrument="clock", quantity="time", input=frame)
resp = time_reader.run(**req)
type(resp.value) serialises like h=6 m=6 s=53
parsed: h=12 m=4 s=36
